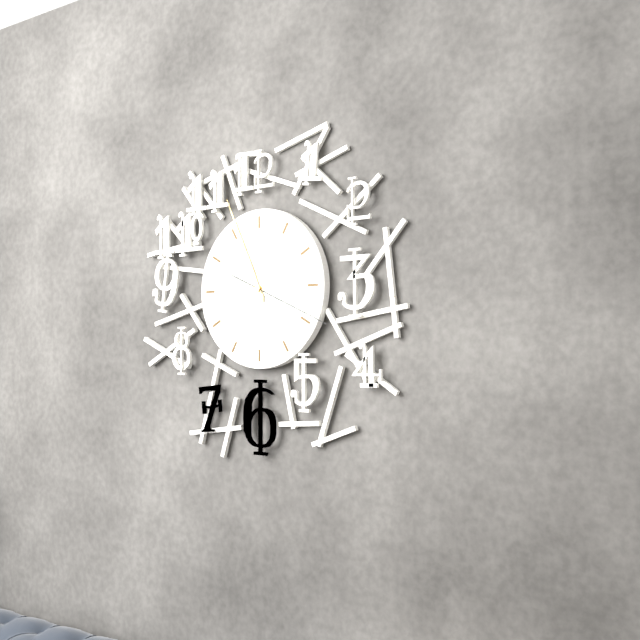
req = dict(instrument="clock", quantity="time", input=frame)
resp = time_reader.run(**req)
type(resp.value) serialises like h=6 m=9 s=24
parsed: h=2 m=56 s=19
